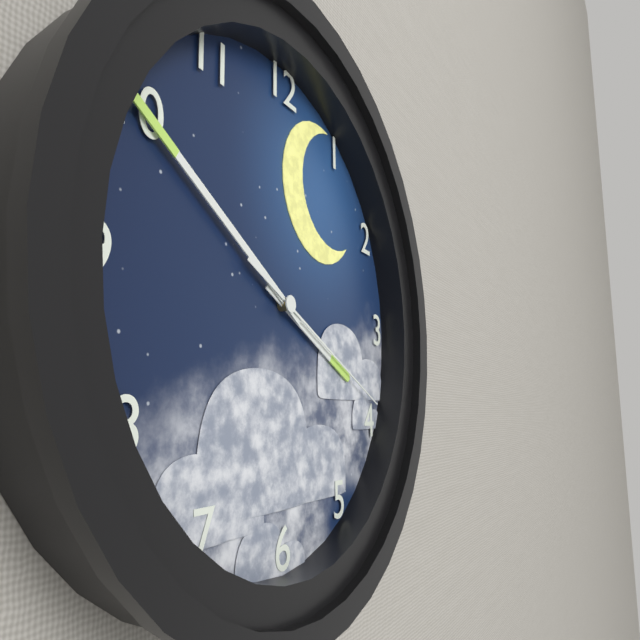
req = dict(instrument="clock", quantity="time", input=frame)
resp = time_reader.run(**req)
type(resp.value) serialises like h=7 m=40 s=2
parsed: h=3 m=50 s=19
